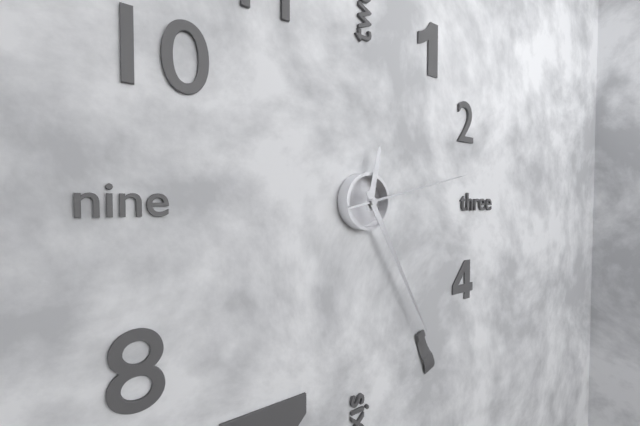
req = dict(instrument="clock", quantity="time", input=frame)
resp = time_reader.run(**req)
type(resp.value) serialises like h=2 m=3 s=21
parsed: h=12 m=25 s=13
